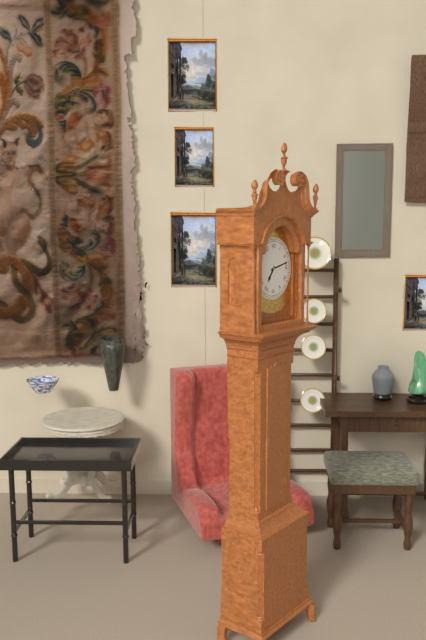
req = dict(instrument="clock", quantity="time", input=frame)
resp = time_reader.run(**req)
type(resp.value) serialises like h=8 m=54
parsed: h=7 m=13
